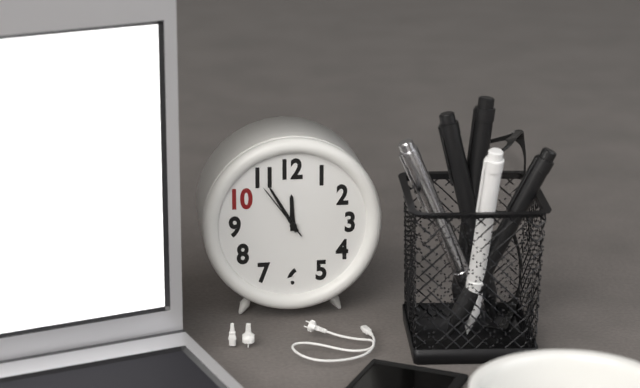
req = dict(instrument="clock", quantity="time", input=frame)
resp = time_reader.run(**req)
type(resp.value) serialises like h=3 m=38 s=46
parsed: h=11 m=55 s=54
